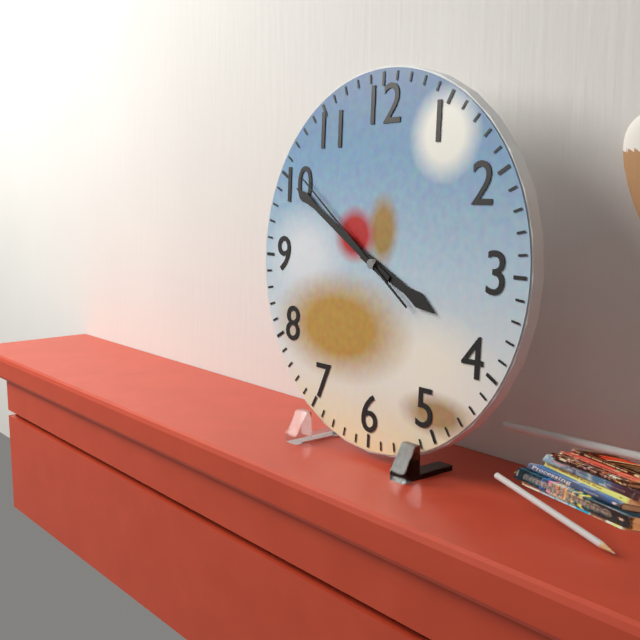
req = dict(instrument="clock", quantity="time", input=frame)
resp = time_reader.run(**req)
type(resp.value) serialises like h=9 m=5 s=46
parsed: h=3 m=50 s=51
